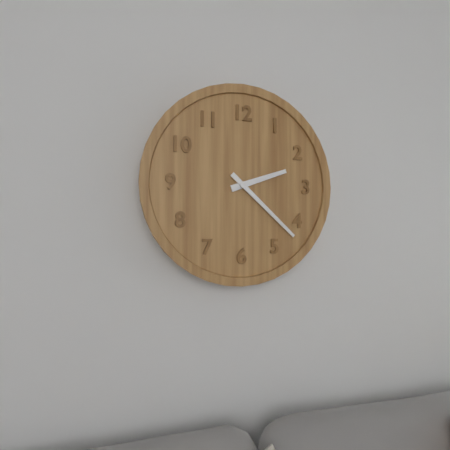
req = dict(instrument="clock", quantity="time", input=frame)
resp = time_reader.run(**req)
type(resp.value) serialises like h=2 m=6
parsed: h=2 m=22
